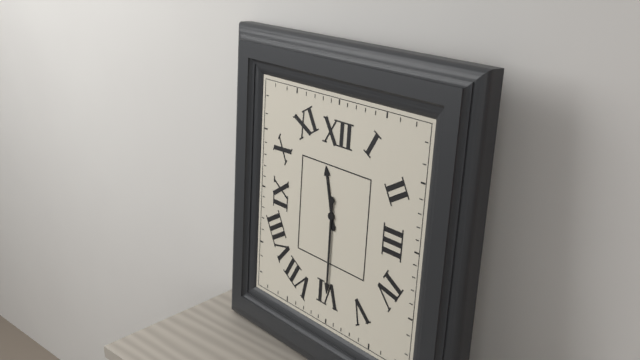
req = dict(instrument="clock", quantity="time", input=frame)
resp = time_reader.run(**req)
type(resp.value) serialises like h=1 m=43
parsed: h=11 m=30
